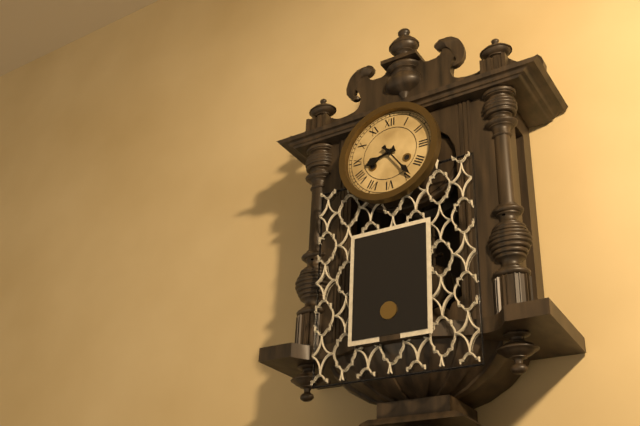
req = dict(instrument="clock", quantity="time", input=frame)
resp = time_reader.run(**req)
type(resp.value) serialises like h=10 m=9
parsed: h=8 m=24
